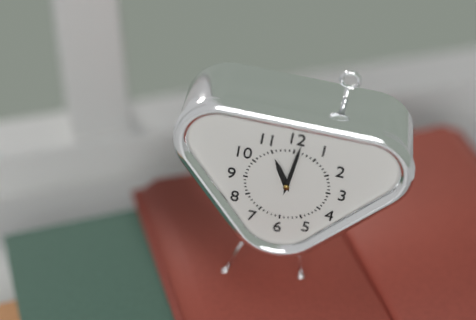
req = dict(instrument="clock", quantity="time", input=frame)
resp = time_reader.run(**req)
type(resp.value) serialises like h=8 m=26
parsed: h=11 m=1
